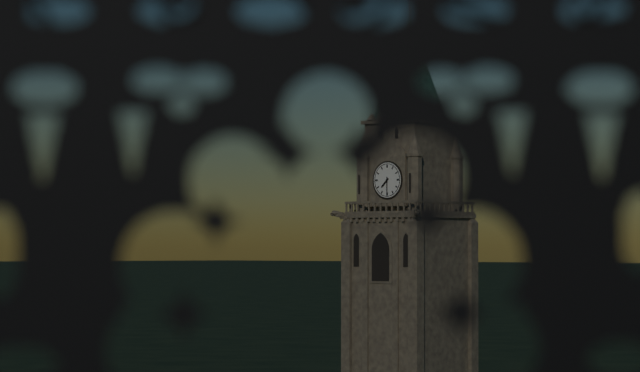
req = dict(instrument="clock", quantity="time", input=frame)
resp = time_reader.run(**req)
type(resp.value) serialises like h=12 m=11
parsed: h=7 m=30
